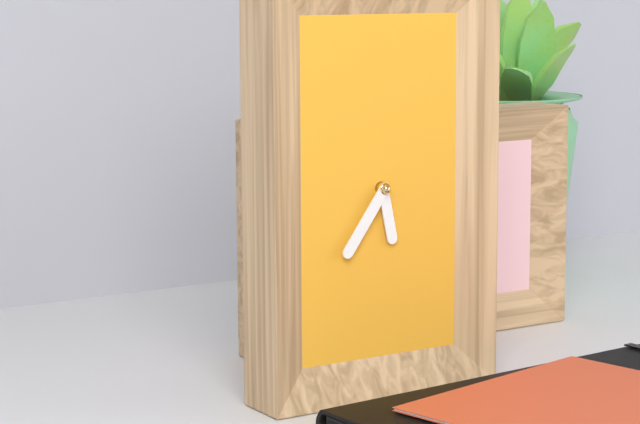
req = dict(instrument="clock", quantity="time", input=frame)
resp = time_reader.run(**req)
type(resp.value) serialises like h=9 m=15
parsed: h=5 m=36
